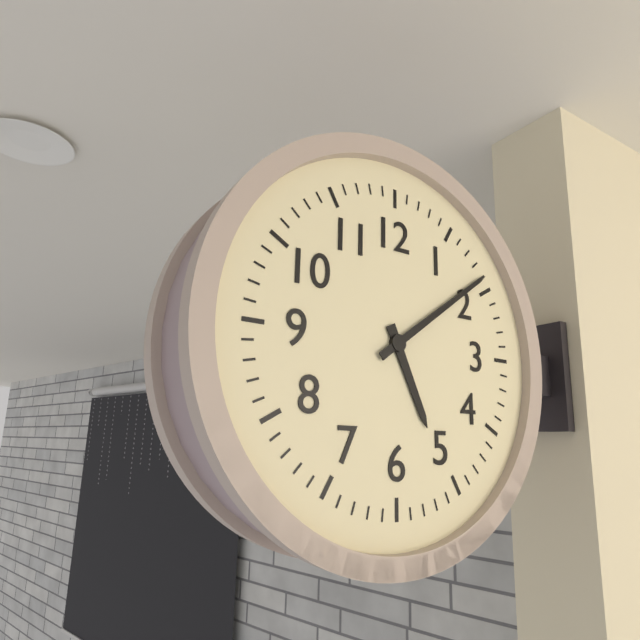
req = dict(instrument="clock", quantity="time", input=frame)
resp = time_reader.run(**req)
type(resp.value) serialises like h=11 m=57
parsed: h=5 m=9
